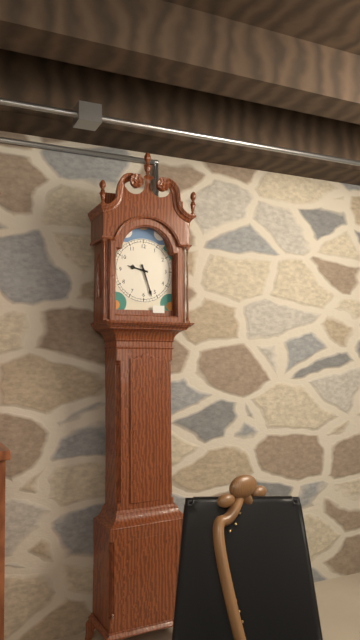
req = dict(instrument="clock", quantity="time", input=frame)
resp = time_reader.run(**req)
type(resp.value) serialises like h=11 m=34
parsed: h=9 m=27
